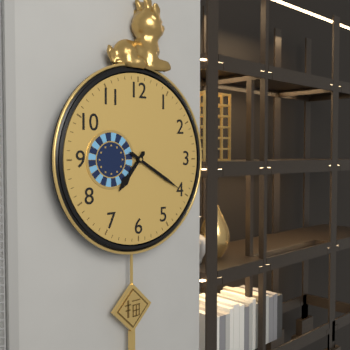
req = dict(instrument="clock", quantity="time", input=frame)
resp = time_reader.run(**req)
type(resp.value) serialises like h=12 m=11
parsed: h=7 m=20
